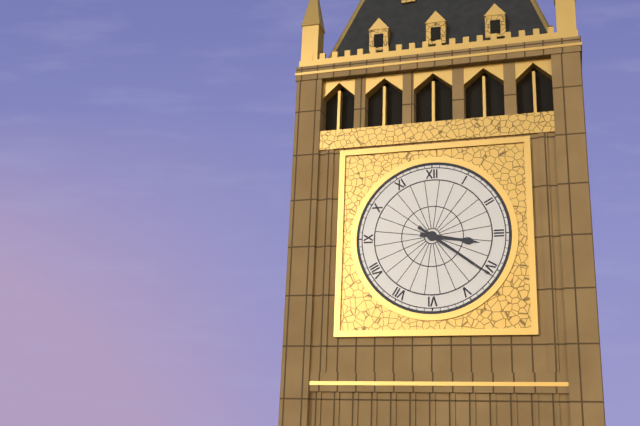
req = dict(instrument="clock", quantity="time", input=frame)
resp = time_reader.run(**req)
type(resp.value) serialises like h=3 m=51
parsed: h=3 m=21
